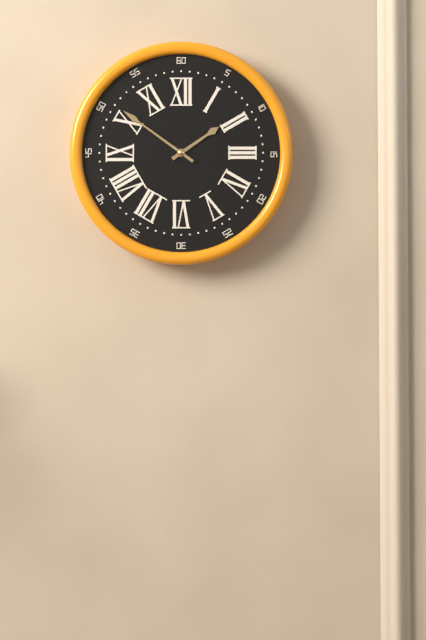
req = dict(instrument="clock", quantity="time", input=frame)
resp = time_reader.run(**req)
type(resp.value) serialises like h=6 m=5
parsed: h=1 m=51
